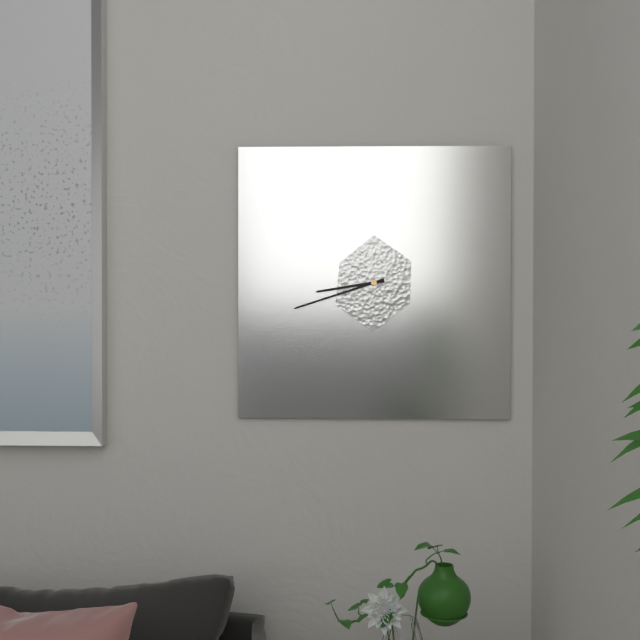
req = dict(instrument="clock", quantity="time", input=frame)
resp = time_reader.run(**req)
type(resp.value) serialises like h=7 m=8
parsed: h=8 m=42
